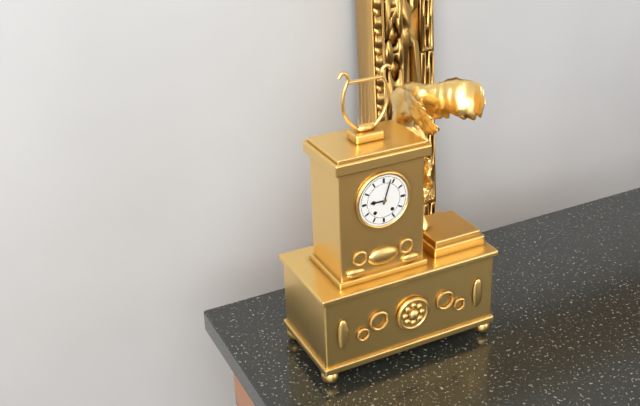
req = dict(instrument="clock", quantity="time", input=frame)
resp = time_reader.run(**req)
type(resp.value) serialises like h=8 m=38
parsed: h=9 m=3
